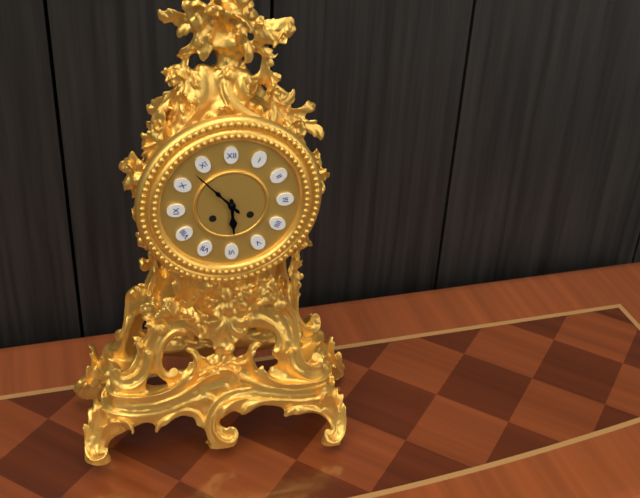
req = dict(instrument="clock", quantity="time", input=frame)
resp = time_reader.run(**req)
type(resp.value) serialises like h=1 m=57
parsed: h=5 m=53
